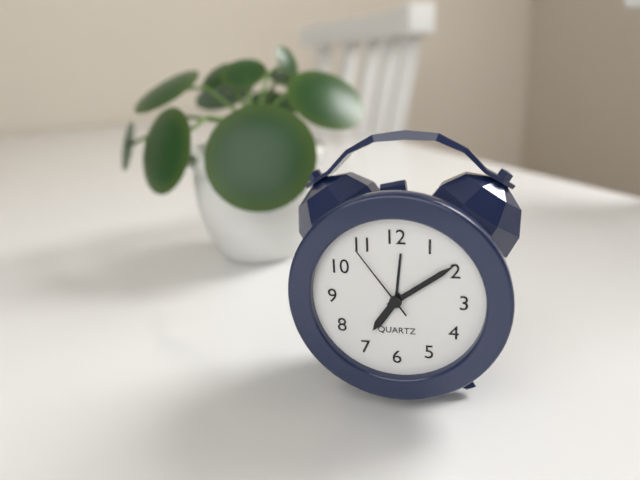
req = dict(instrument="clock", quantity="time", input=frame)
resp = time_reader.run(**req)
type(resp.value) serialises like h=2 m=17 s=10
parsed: h=7 m=9 s=54
